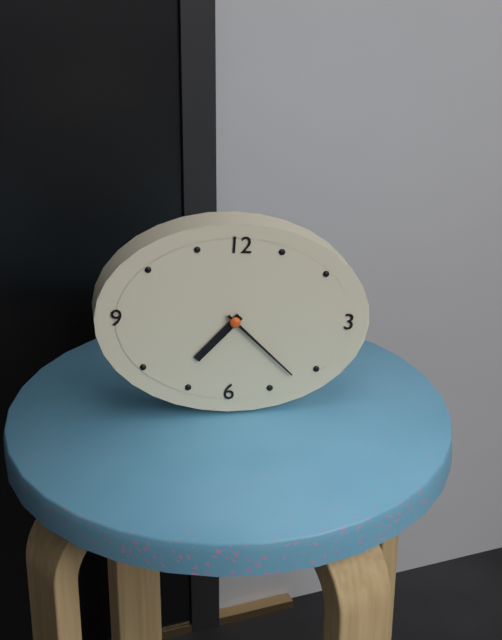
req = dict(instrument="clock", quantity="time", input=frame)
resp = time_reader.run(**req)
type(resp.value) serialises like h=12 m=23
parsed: h=7 m=22
